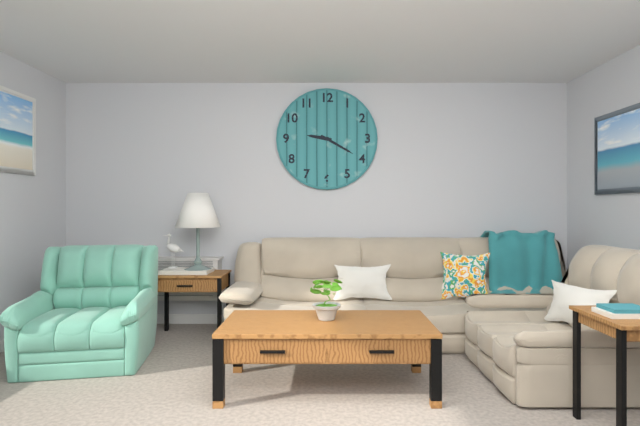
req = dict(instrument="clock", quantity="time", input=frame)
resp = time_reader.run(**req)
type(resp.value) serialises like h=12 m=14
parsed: h=9 m=20
